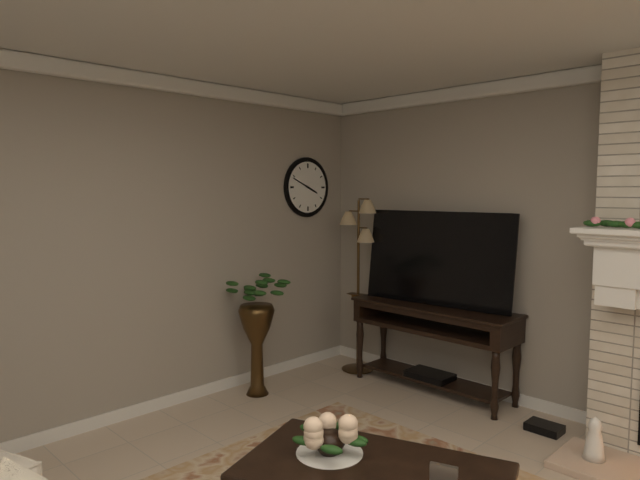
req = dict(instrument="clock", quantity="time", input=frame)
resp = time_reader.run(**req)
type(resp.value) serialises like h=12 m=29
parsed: h=3 m=49
